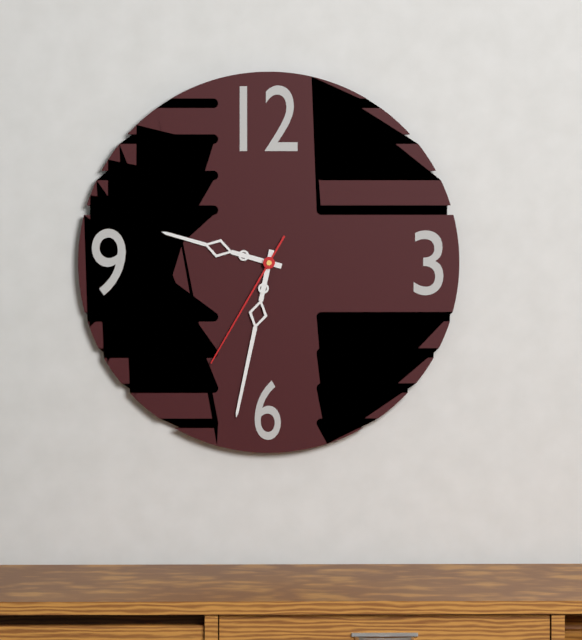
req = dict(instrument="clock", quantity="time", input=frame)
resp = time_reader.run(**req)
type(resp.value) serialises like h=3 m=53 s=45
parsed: h=9 m=32 s=35
